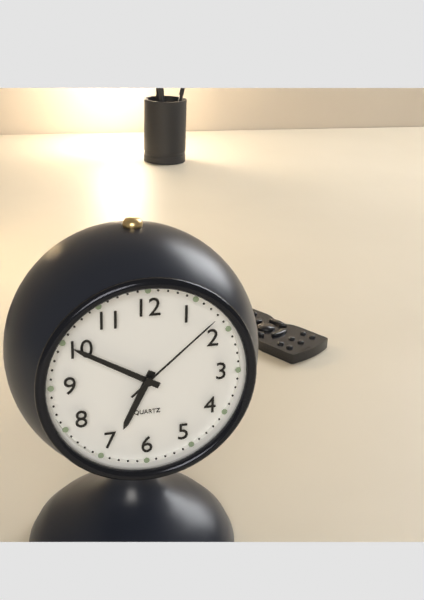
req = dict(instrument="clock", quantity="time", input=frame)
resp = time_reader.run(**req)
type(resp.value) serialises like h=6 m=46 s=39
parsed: h=6 m=50 s=8
